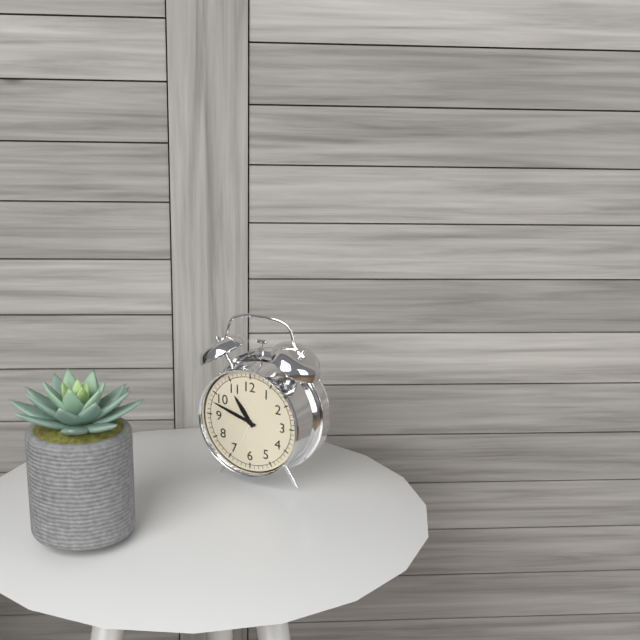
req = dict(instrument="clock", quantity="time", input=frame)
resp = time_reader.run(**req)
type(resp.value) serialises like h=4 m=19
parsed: h=10 m=48
